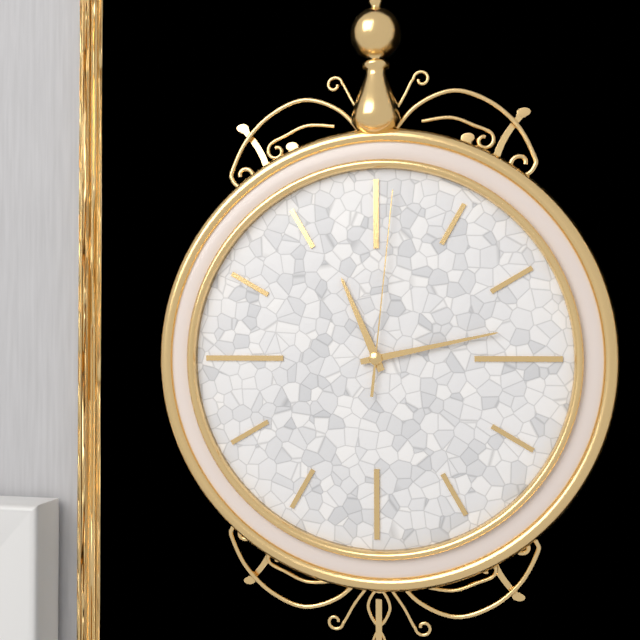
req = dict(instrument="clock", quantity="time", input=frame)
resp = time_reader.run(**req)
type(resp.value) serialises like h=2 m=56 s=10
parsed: h=11 m=13 s=1
